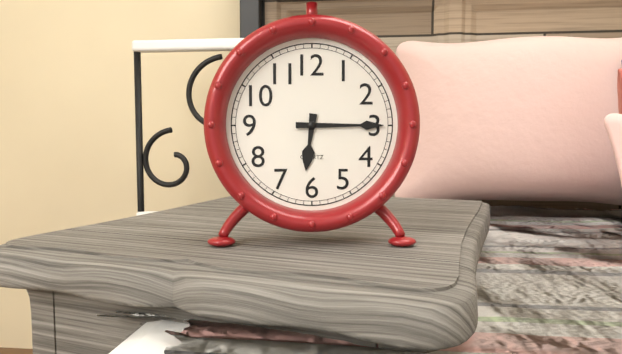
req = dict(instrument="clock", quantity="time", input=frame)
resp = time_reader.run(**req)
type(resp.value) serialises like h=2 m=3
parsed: h=6 m=15
